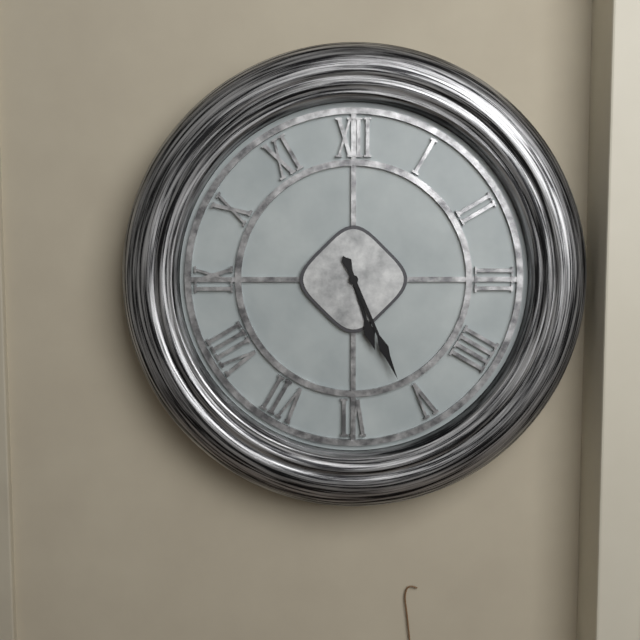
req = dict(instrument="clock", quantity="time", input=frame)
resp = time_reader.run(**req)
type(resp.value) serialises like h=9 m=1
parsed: h=5 m=26
